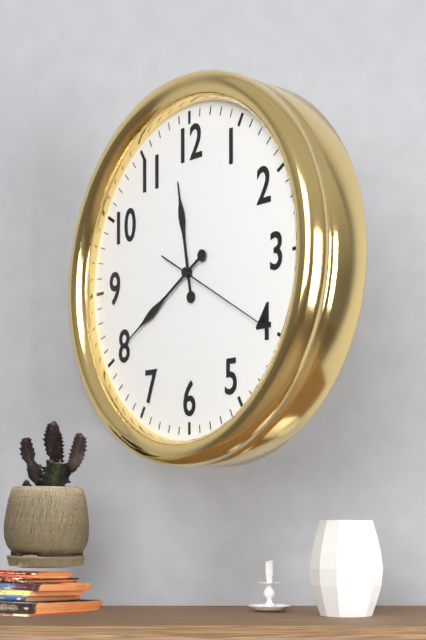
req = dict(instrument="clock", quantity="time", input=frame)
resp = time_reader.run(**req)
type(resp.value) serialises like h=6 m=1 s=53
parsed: h=11 m=40 s=20
